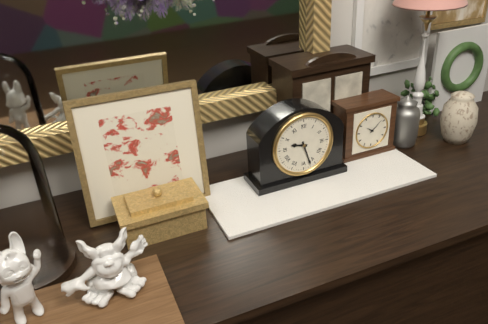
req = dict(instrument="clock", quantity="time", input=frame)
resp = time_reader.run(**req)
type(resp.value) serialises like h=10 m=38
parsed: h=9 m=27
